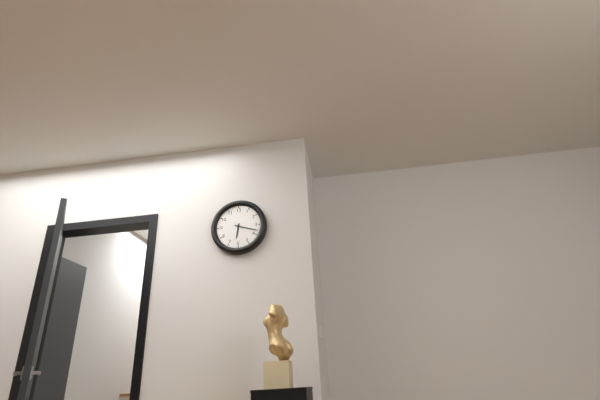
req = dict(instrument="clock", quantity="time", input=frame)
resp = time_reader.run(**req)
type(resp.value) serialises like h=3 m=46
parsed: h=6 m=18
